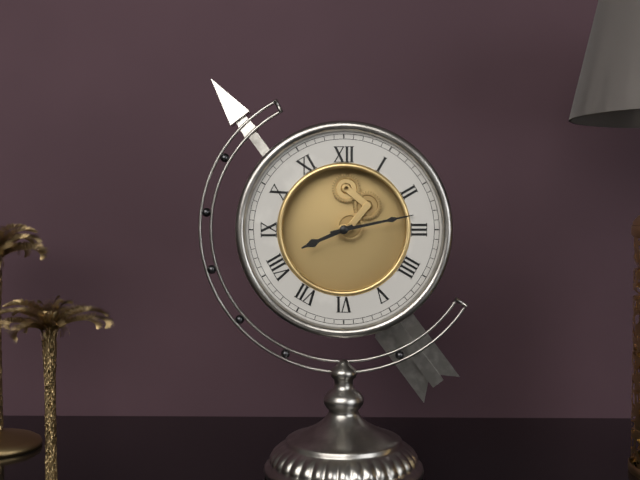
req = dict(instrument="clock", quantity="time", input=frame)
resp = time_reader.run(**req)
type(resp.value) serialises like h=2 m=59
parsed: h=8 m=13
